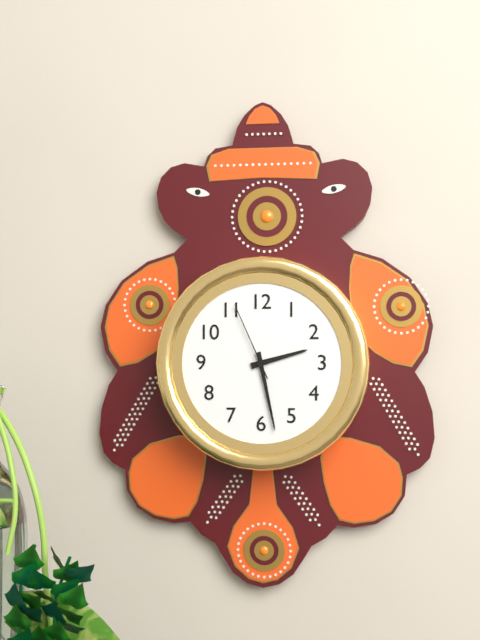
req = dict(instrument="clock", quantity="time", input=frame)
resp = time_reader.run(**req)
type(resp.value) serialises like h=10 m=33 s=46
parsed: h=2 m=28 s=56
